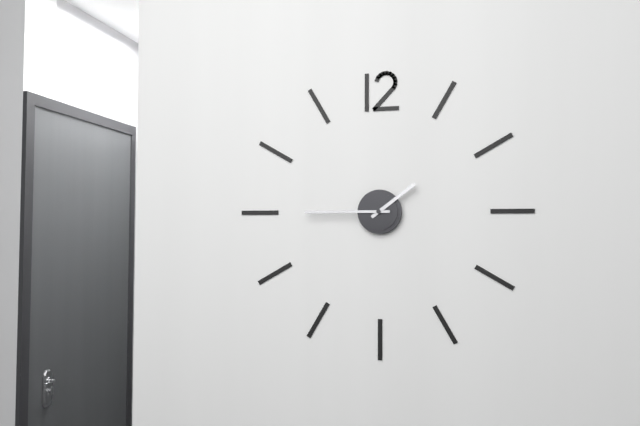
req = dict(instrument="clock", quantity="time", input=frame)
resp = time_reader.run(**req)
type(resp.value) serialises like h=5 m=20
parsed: h=1 m=45
